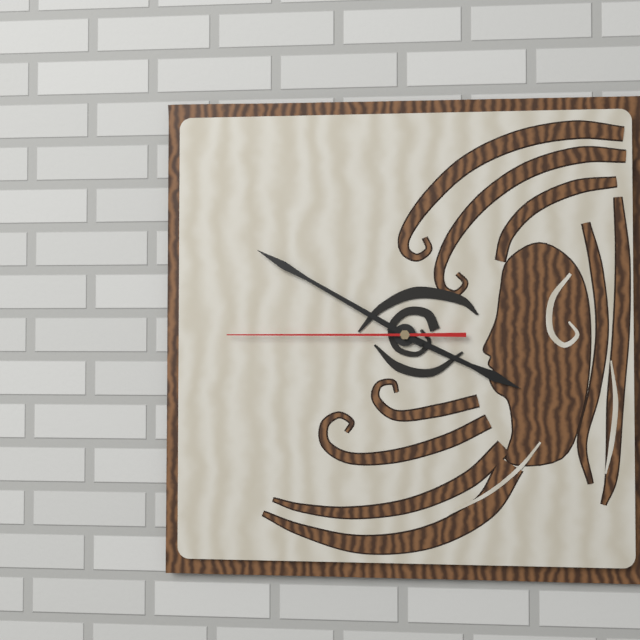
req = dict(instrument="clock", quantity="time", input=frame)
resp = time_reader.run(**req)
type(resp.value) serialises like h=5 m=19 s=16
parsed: h=3 m=50 s=45
